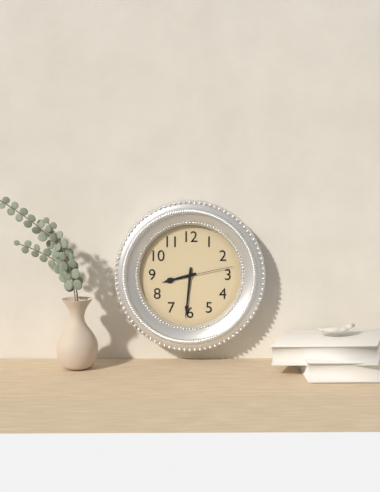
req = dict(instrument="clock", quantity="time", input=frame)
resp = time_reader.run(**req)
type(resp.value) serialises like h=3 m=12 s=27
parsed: h=8 m=31 s=13
